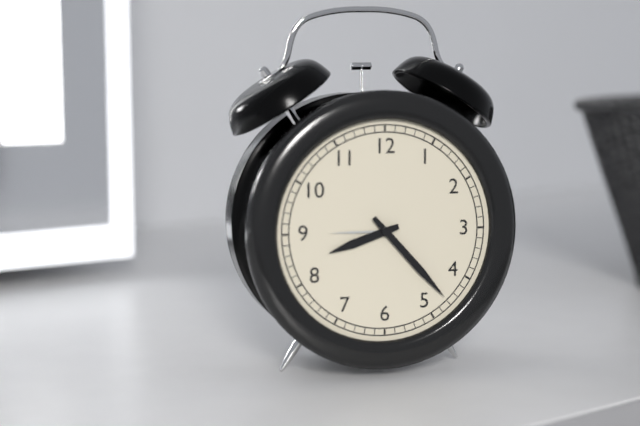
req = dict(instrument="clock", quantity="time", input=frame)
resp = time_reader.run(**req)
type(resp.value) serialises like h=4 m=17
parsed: h=8 m=23
